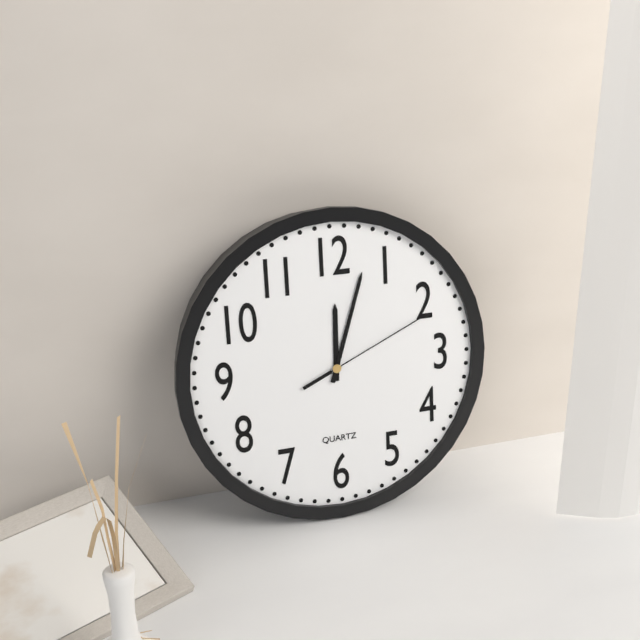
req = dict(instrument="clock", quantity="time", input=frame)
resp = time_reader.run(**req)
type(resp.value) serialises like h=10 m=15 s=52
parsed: h=12 m=3 s=11
